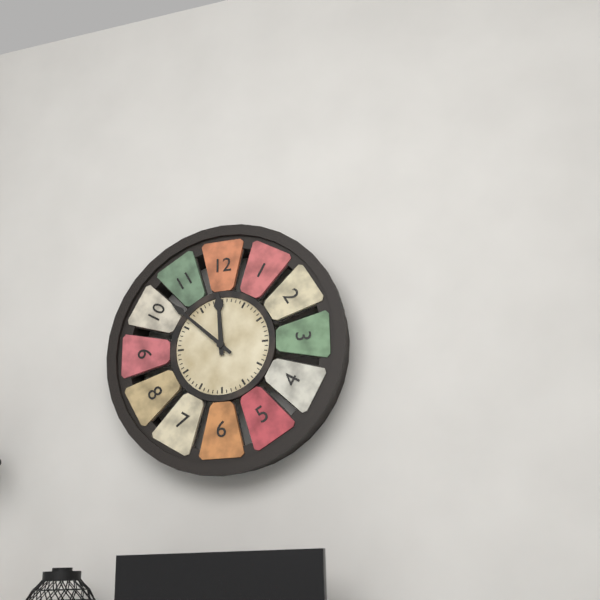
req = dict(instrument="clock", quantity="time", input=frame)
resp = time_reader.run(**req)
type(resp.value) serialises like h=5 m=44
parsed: h=11 m=52
